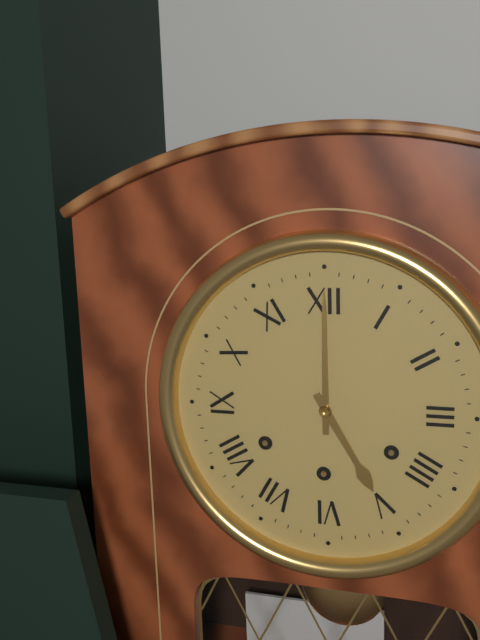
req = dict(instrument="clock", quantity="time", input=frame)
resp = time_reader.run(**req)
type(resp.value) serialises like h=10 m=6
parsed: h=5 m=0
